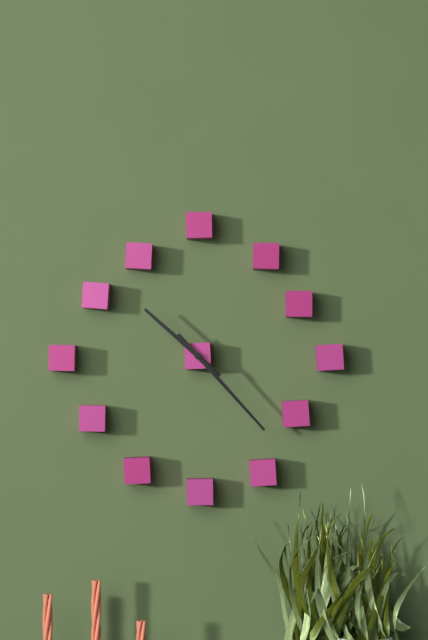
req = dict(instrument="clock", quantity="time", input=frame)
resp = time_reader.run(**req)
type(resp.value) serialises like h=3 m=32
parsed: h=10 m=23
